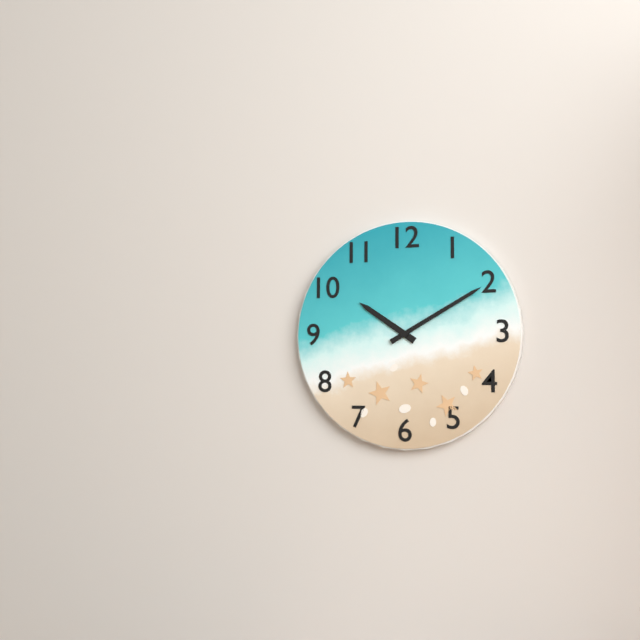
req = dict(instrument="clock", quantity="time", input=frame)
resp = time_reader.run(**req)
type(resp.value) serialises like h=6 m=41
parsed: h=10 m=10
